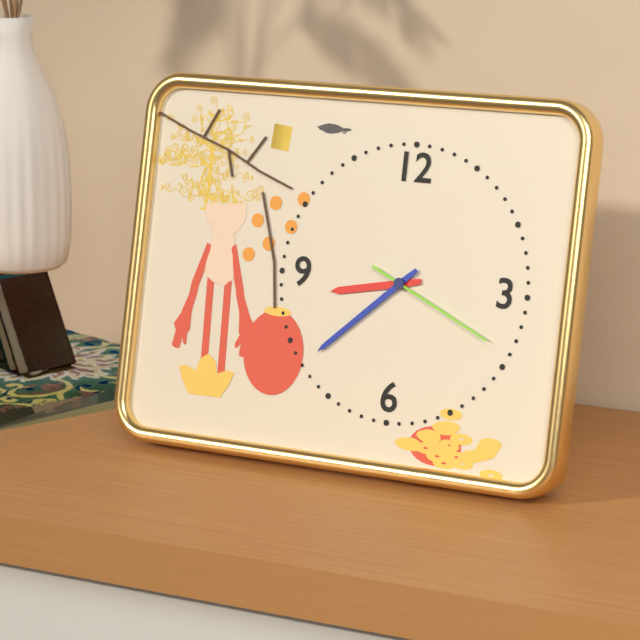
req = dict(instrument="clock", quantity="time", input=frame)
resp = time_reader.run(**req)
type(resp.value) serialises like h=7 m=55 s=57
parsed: h=8 m=38 s=19
